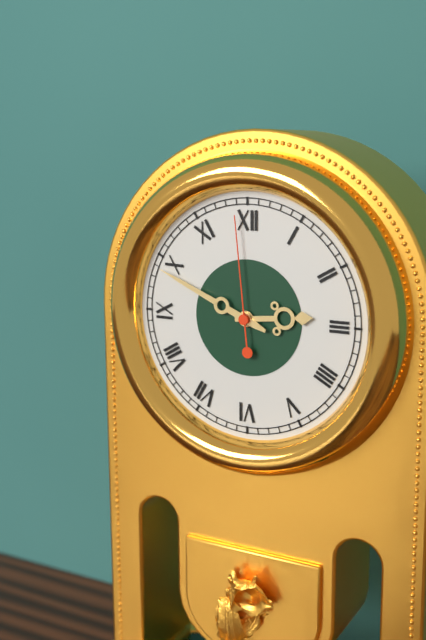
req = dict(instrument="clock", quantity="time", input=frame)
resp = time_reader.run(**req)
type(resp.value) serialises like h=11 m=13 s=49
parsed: h=2 m=49 s=59
